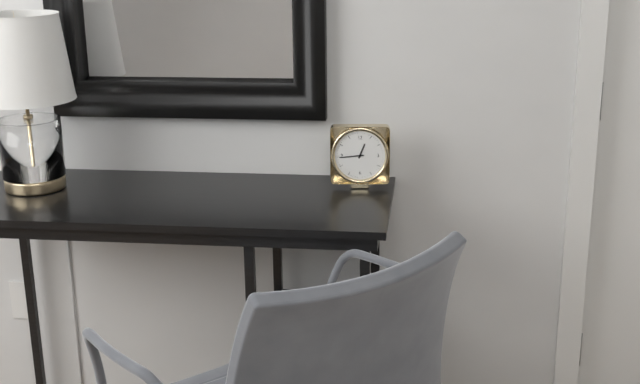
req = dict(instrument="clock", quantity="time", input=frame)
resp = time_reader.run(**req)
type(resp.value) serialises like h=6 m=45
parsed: h=12 m=44
